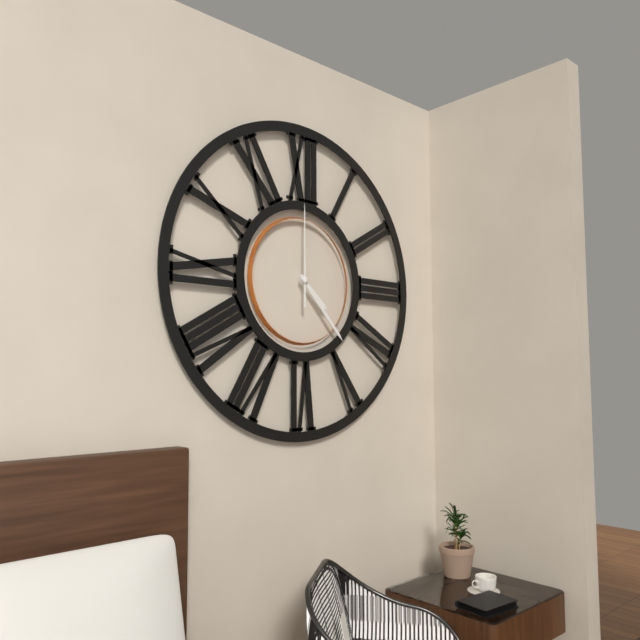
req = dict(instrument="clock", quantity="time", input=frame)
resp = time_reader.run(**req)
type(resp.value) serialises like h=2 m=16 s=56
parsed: h=4 m=23 s=0
